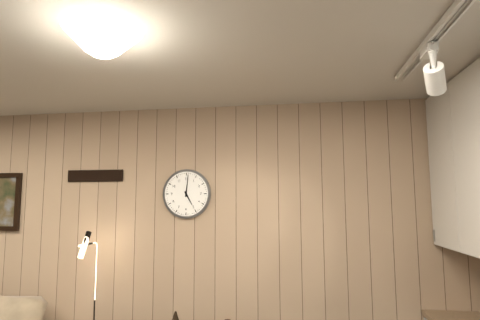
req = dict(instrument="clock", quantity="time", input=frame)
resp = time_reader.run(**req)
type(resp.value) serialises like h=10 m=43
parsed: h=5 m=1
